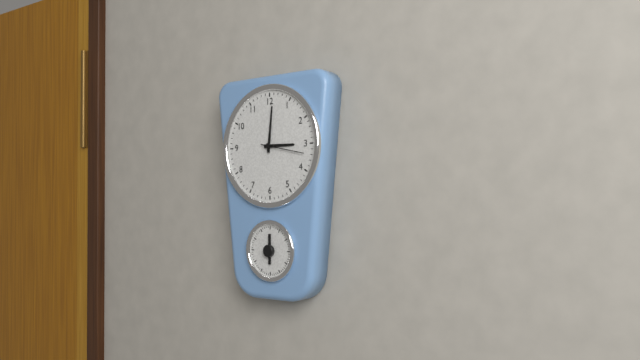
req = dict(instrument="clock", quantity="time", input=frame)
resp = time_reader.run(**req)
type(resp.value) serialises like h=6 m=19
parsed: h=3 m=1
